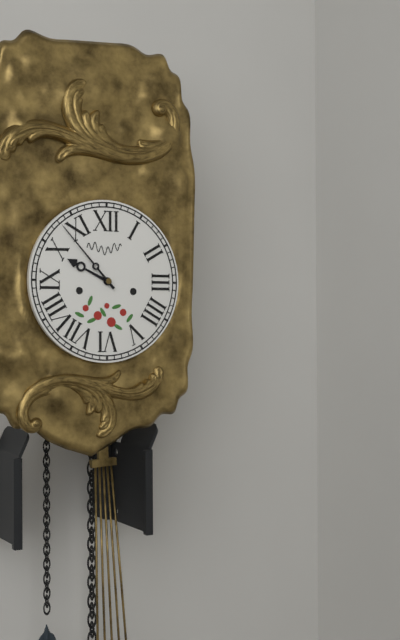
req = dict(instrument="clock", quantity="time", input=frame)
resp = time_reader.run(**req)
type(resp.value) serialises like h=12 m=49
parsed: h=9 m=53
